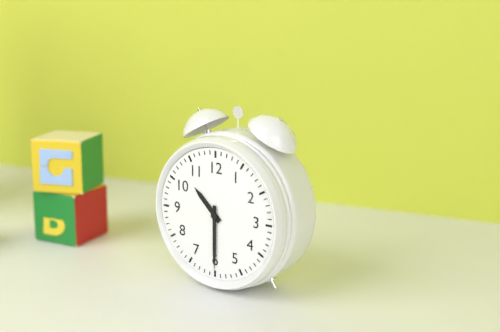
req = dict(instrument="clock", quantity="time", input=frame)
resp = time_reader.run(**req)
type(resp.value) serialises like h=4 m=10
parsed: h=10 m=30
